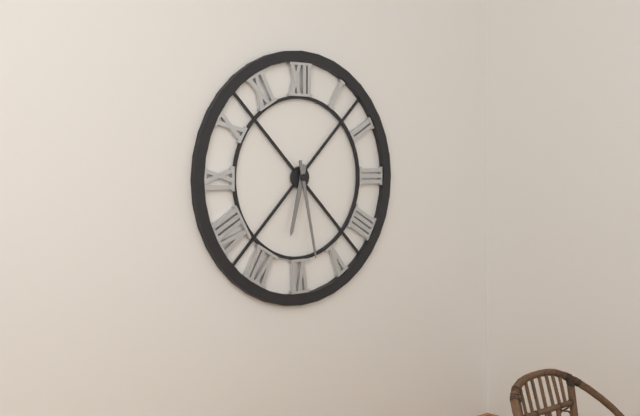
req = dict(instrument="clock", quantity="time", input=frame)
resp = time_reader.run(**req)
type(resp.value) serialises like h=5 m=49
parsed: h=6 m=28
